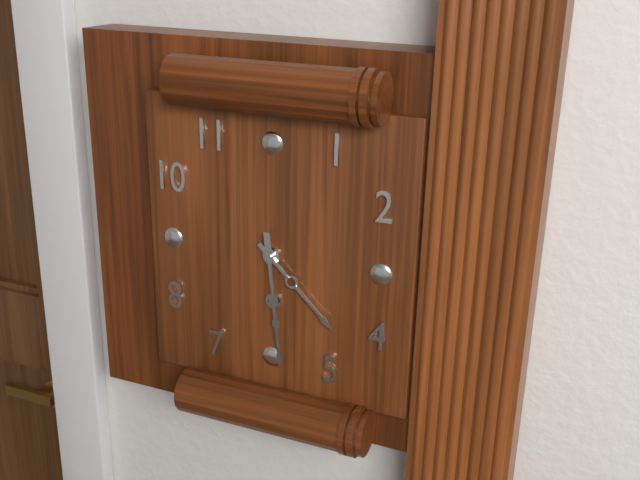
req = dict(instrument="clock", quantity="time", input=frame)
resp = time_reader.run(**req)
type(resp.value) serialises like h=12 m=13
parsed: h=4 m=29
